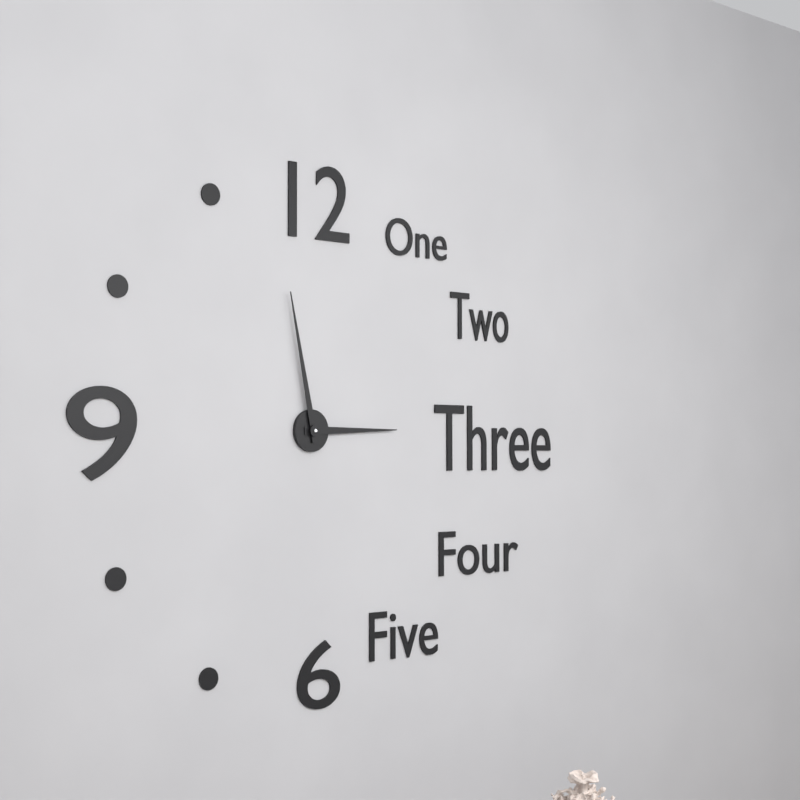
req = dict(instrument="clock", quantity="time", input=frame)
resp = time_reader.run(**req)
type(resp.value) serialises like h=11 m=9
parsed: h=2 m=58
